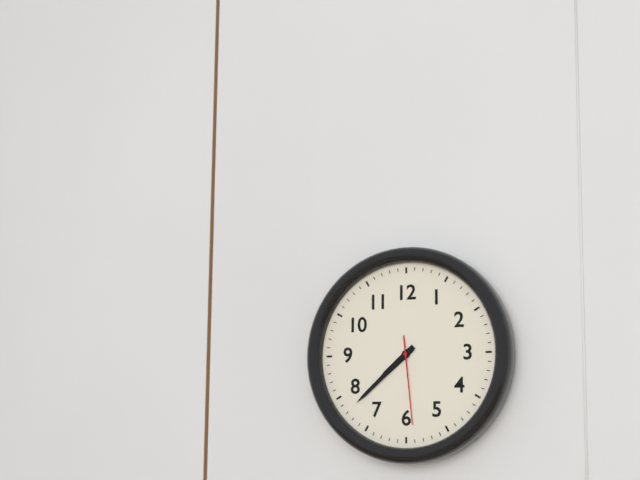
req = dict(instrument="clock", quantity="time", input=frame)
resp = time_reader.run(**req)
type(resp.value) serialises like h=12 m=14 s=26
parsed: h=7 m=38 s=29
